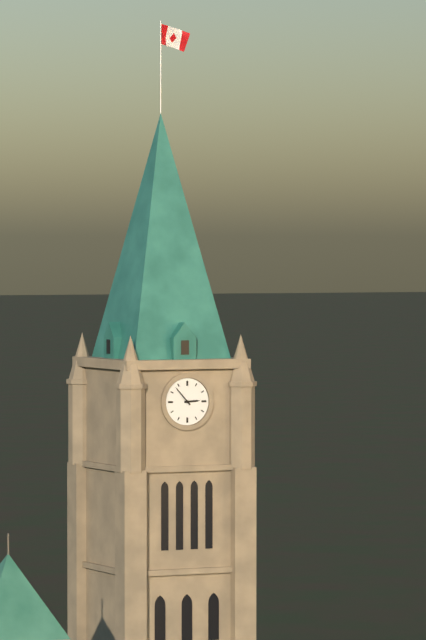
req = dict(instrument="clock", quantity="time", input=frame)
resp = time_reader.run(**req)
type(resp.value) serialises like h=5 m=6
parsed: h=2 m=53
